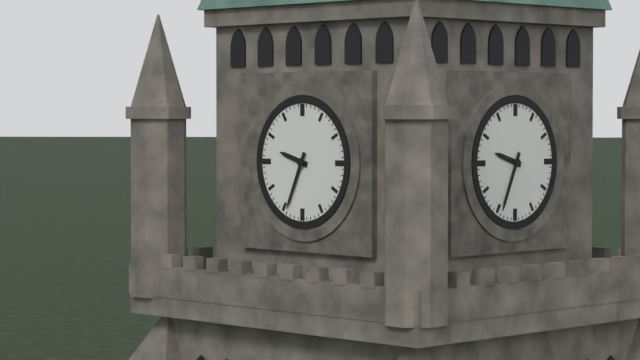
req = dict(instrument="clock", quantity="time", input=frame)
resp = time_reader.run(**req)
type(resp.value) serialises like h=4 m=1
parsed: h=9 m=34
